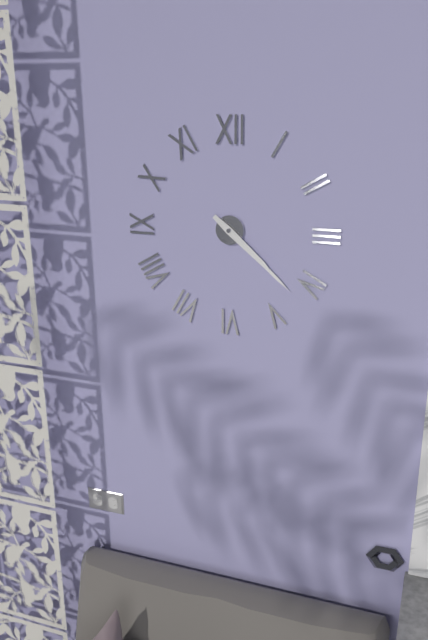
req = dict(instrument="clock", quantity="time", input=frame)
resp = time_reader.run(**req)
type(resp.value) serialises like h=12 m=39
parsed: h=4 m=22
